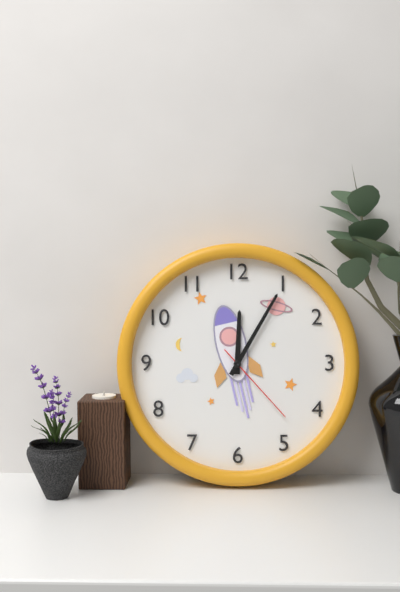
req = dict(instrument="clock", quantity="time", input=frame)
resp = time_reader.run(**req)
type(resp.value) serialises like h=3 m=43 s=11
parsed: h=12 m=5 s=23
